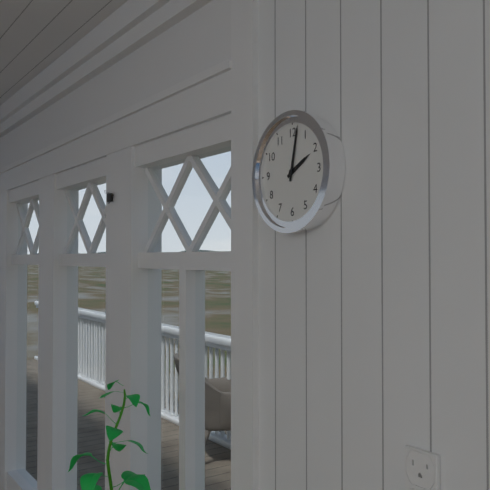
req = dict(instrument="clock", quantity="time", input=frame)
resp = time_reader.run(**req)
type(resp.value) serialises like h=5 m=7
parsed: h=2 m=2
